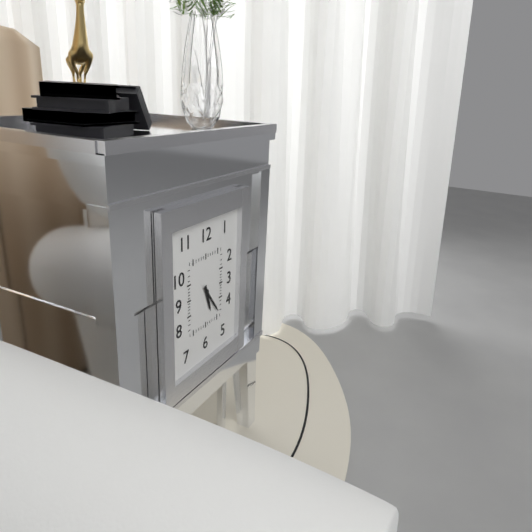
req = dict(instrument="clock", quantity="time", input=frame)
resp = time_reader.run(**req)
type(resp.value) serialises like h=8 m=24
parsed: h=5 m=24
